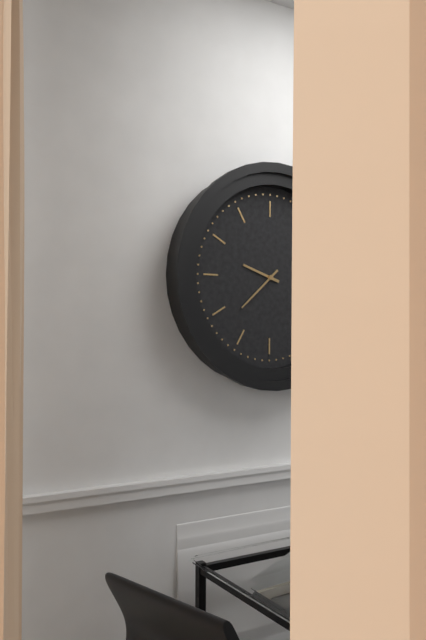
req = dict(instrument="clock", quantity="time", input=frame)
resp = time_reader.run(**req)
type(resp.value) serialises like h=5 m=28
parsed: h=9 m=38
